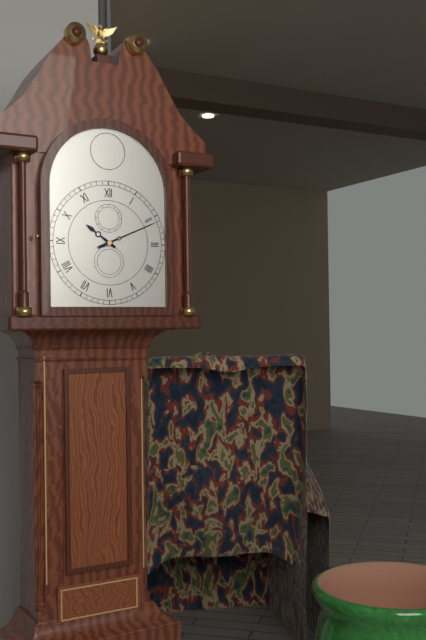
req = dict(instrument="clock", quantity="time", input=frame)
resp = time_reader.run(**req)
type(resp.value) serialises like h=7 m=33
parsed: h=10 m=11
